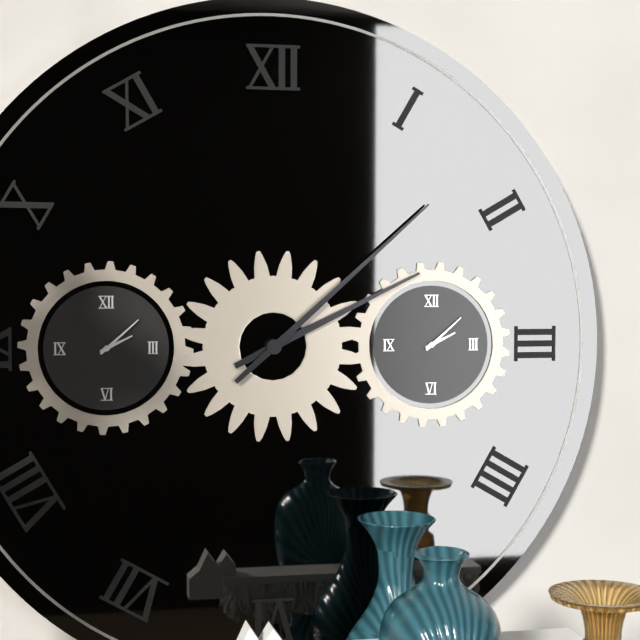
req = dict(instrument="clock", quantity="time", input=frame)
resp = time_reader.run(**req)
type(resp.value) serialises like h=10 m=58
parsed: h=2 m=8
